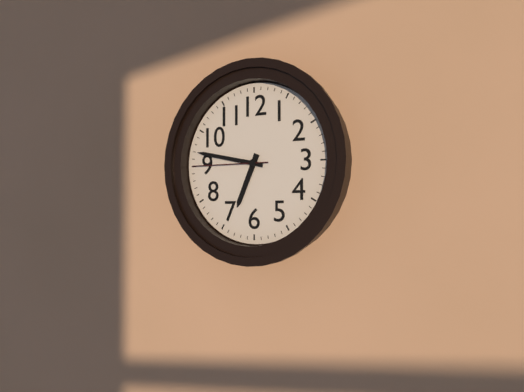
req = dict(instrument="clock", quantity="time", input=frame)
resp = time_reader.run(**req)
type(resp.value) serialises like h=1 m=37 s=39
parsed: h=6 m=47 s=45
